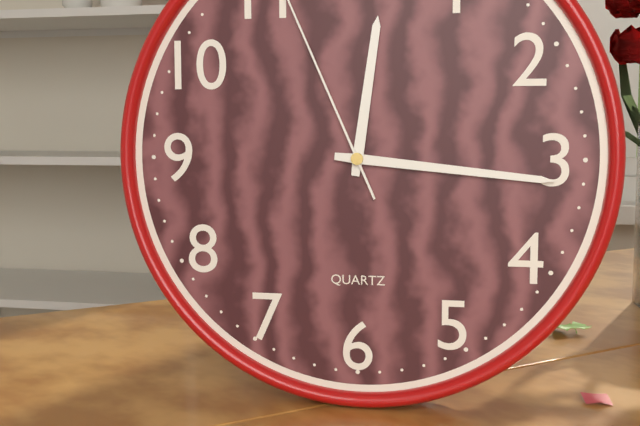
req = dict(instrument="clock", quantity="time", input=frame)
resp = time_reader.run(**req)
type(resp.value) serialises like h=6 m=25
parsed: h=12 m=16
